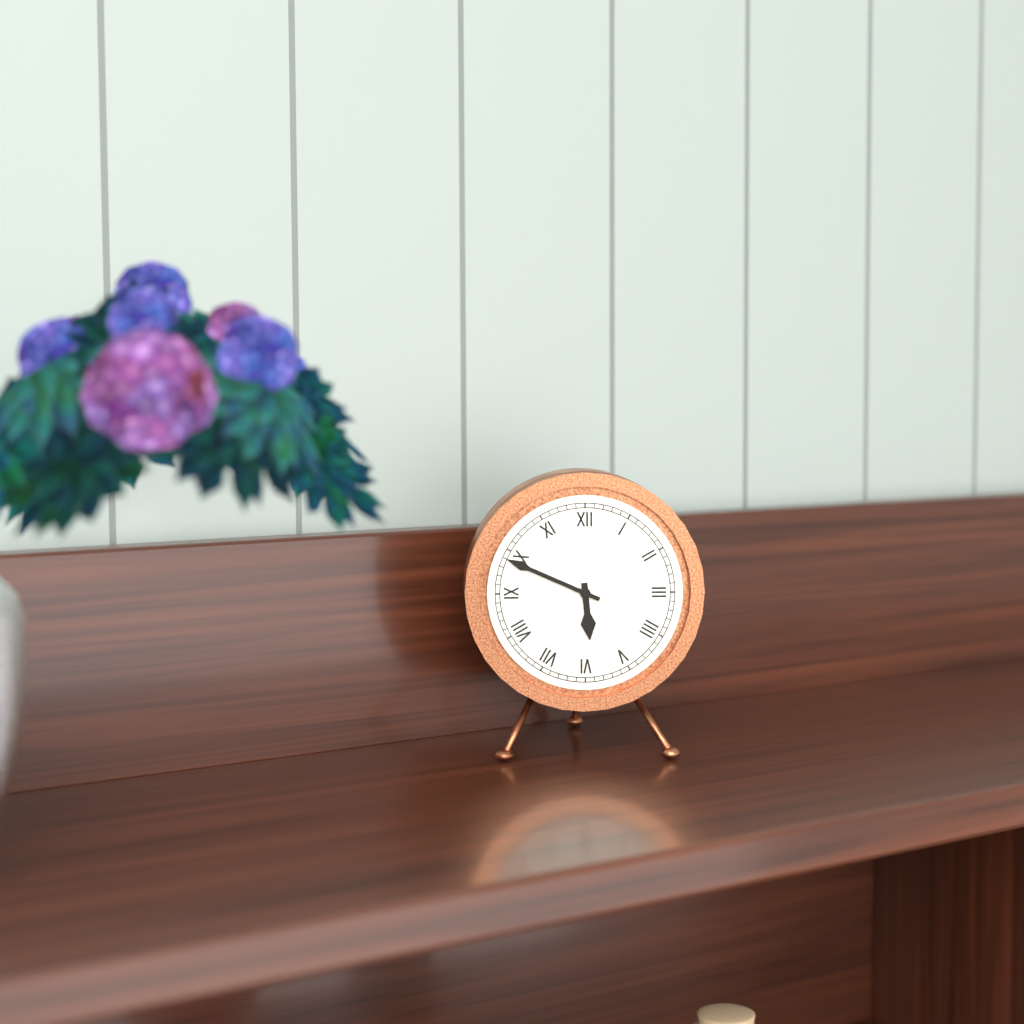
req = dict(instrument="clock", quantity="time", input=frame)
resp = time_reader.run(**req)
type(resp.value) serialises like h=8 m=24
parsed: h=5 m=49
